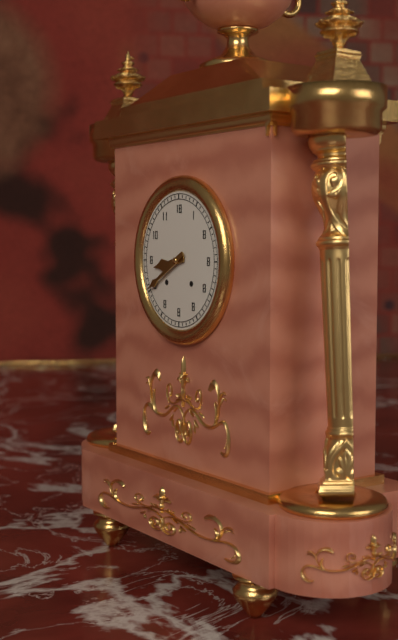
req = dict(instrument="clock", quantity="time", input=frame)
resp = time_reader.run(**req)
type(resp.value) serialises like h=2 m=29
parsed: h=8 m=40
